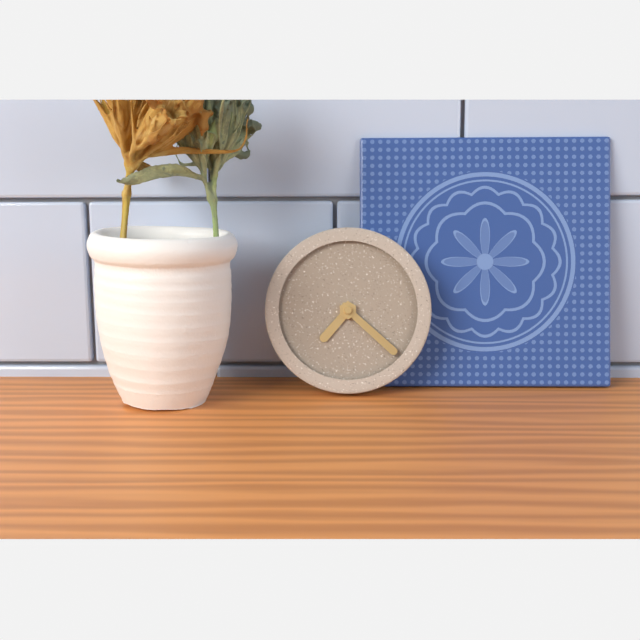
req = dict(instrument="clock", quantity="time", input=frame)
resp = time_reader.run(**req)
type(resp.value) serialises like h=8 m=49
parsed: h=7 m=22
